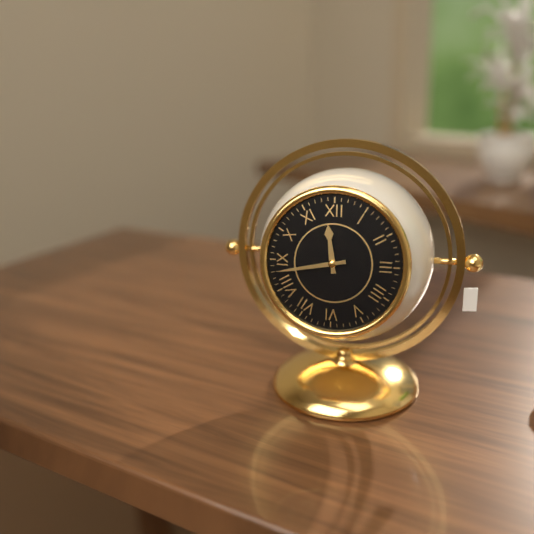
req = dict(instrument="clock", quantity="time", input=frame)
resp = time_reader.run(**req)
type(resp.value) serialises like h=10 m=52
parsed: h=11 m=43
